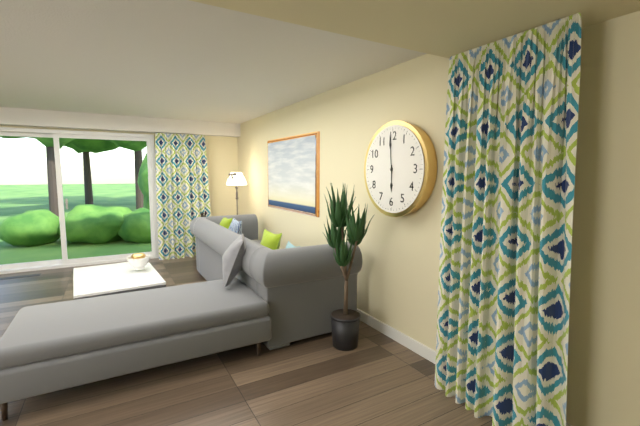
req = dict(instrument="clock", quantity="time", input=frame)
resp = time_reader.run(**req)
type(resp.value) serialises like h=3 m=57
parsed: h=5 m=59
